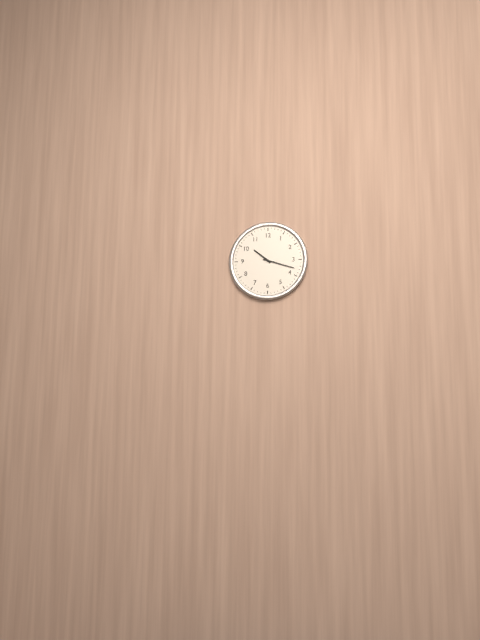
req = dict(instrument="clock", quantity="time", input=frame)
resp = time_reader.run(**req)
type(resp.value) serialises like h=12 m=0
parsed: h=10 m=18
